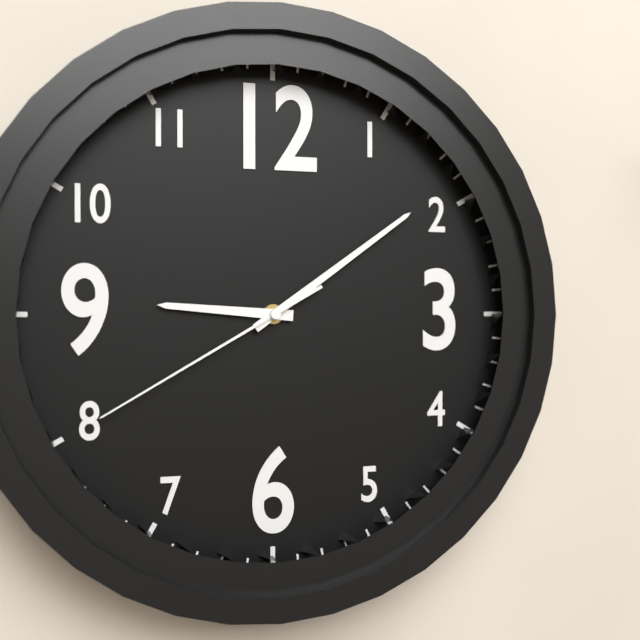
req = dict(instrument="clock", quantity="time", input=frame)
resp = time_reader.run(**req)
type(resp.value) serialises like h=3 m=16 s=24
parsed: h=9 m=9 s=40
